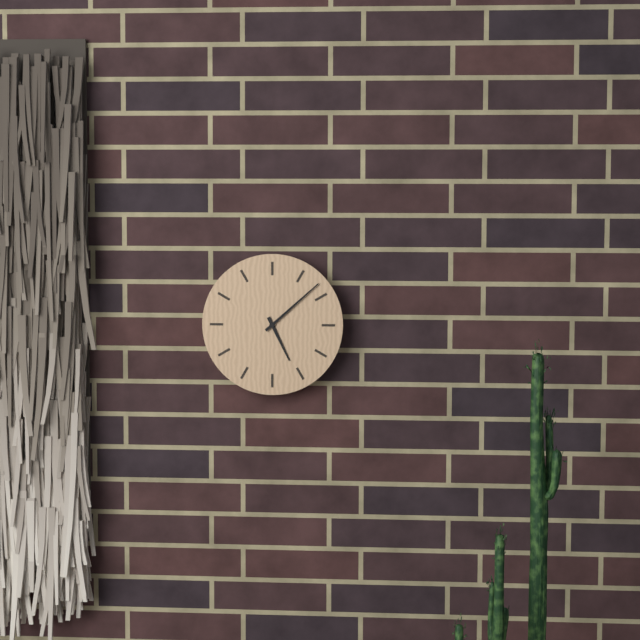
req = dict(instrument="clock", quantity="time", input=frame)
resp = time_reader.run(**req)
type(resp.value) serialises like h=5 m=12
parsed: h=5 m=8
